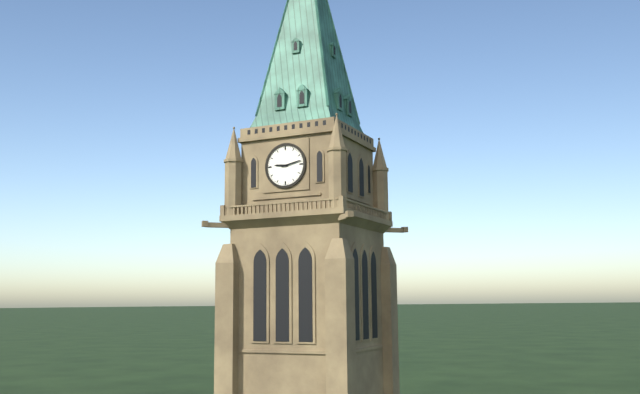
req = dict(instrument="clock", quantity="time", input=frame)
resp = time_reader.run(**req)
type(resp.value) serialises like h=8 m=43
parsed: h=9 m=13
